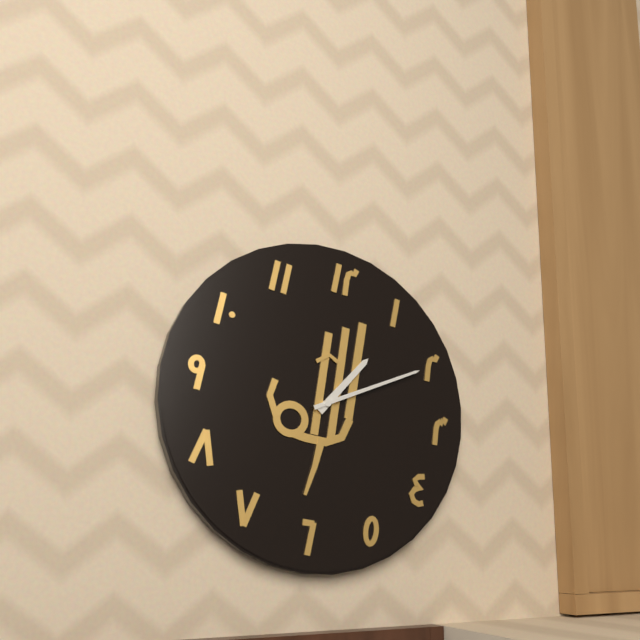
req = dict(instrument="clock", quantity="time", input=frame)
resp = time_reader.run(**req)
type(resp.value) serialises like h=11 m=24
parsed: h=1 m=10
